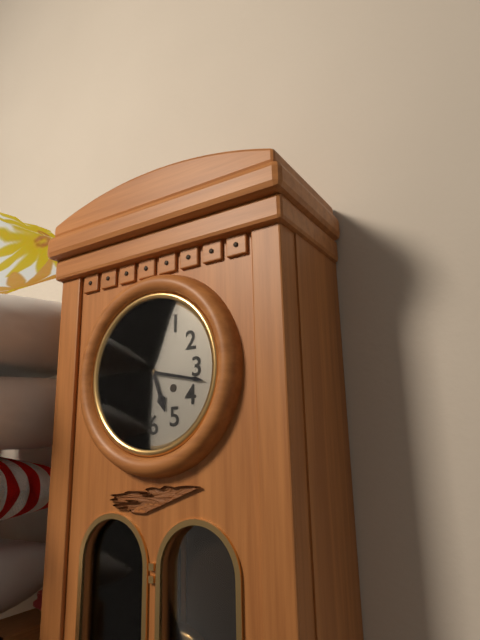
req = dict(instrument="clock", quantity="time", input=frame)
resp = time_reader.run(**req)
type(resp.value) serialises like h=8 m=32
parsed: h=5 m=17
